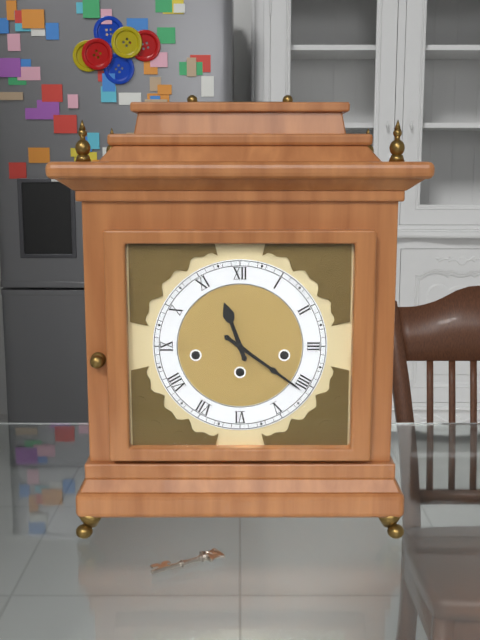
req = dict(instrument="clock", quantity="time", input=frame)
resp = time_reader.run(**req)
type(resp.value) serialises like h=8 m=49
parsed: h=11 m=21
